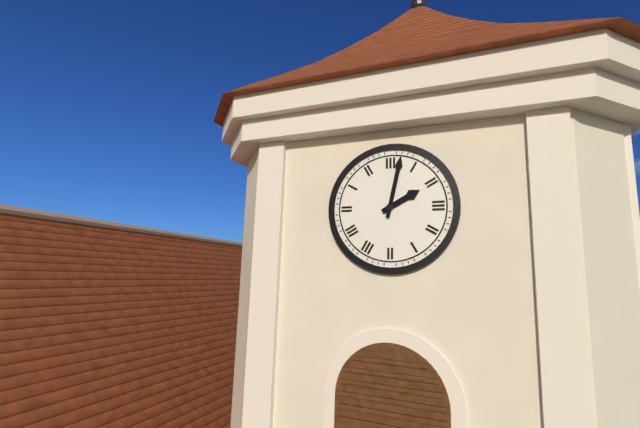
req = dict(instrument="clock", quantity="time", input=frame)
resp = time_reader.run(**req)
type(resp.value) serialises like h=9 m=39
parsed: h=2 m=2
